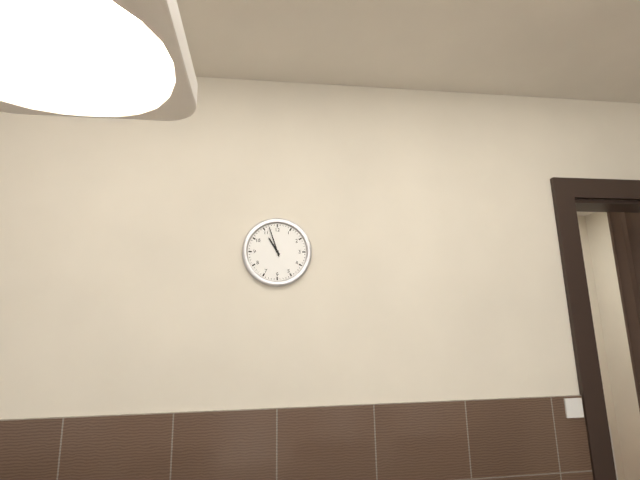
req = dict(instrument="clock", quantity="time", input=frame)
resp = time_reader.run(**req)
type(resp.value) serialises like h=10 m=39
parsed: h=10 m=57
